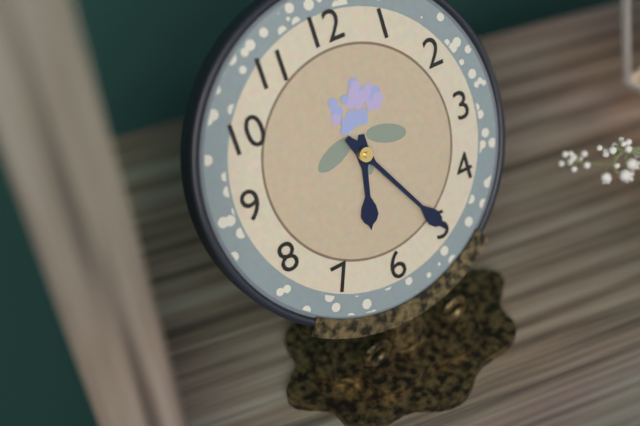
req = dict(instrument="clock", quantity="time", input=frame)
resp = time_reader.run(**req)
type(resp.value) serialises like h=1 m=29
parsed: h=6 m=25
